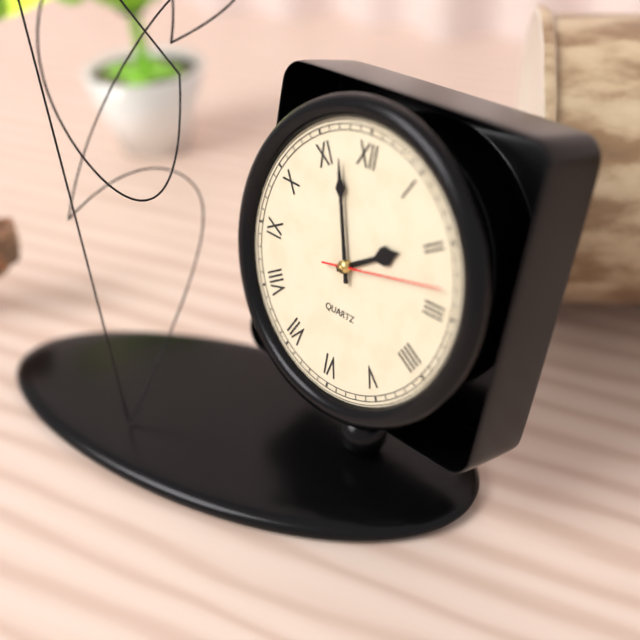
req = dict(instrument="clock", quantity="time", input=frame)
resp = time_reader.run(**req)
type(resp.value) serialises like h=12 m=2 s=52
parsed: h=1 m=57 s=13
